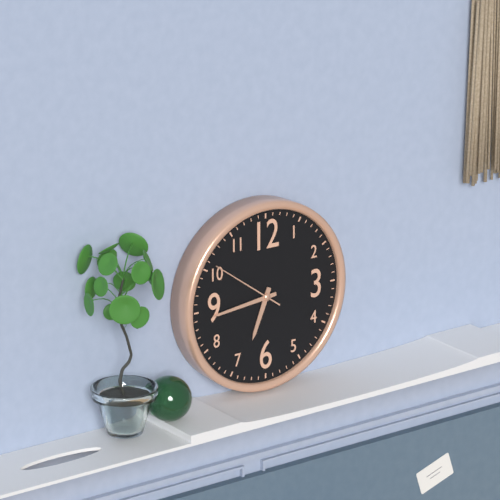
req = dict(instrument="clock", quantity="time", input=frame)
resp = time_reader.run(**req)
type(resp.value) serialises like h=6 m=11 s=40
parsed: h=6 m=44 s=51
